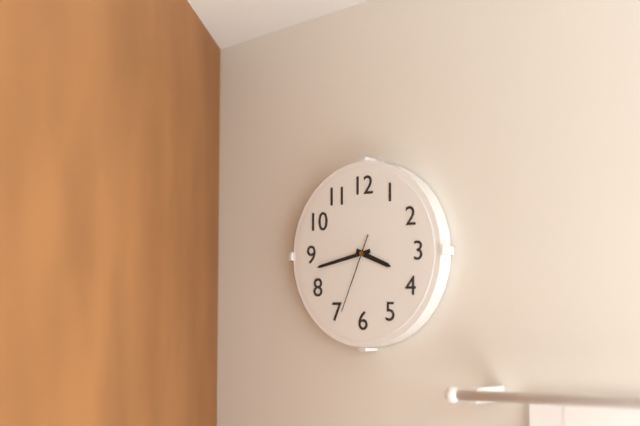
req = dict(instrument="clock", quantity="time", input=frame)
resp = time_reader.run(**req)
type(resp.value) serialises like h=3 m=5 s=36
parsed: h=3 m=43 s=34
